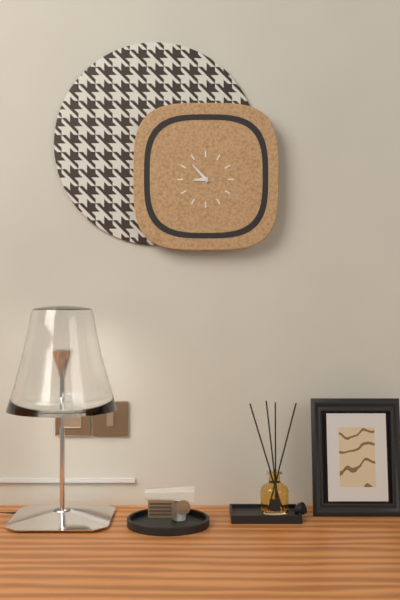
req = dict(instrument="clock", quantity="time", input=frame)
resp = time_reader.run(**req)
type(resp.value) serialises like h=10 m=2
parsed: h=8 m=53
